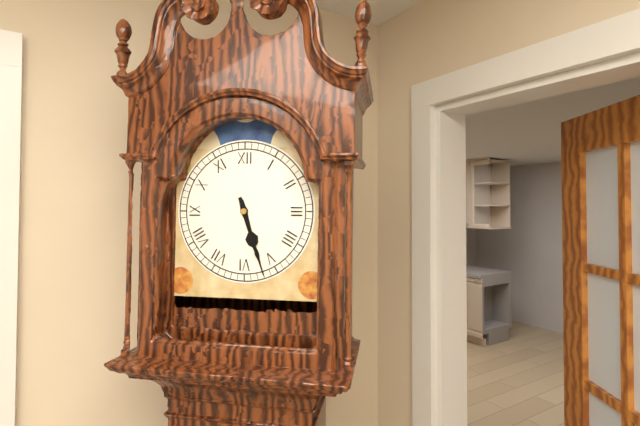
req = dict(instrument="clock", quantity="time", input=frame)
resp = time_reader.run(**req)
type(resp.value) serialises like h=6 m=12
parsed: h=5 m=27
